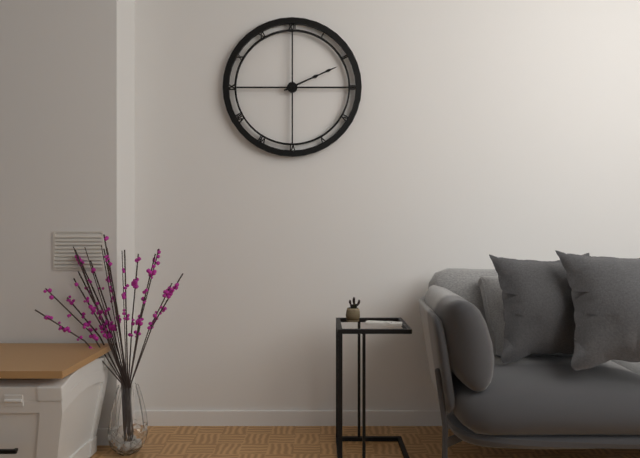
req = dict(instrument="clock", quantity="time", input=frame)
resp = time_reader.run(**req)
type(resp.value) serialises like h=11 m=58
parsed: h=2 m=11
